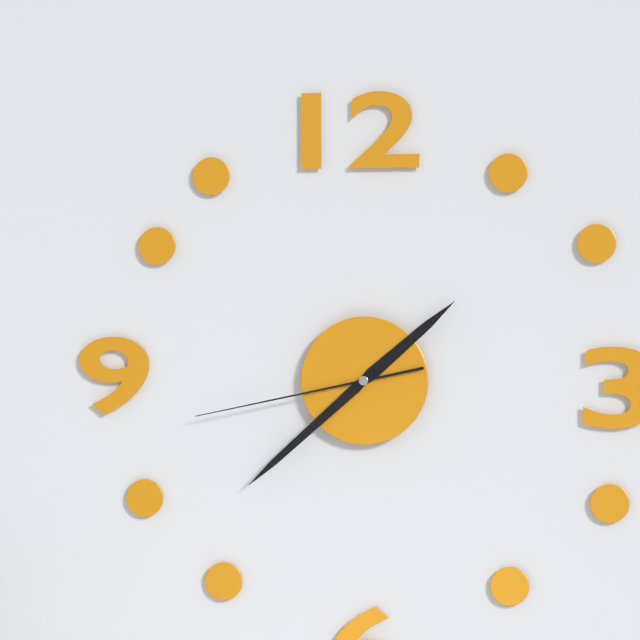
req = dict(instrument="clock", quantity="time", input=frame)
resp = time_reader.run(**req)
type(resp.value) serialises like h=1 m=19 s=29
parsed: h=1 m=38 s=43
